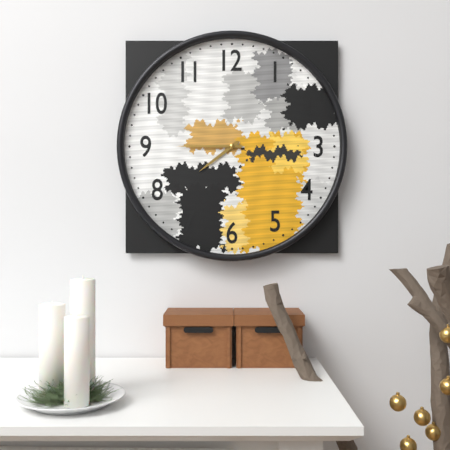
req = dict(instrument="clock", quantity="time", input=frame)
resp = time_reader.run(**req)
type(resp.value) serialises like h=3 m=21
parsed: h=7 m=45
